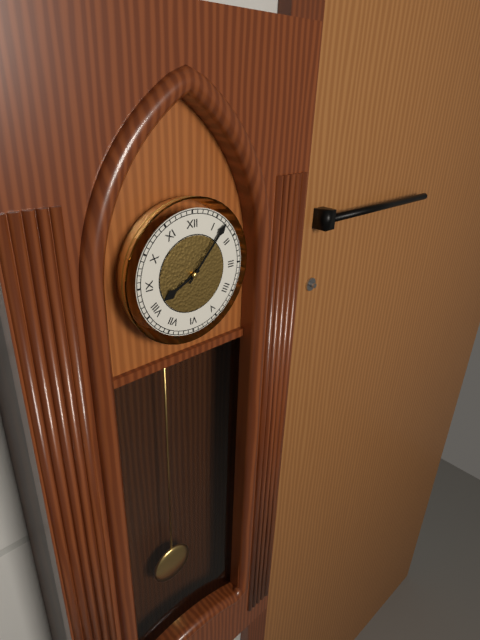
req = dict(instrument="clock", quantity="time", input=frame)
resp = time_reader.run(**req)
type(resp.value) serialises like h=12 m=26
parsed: h=8 m=7
